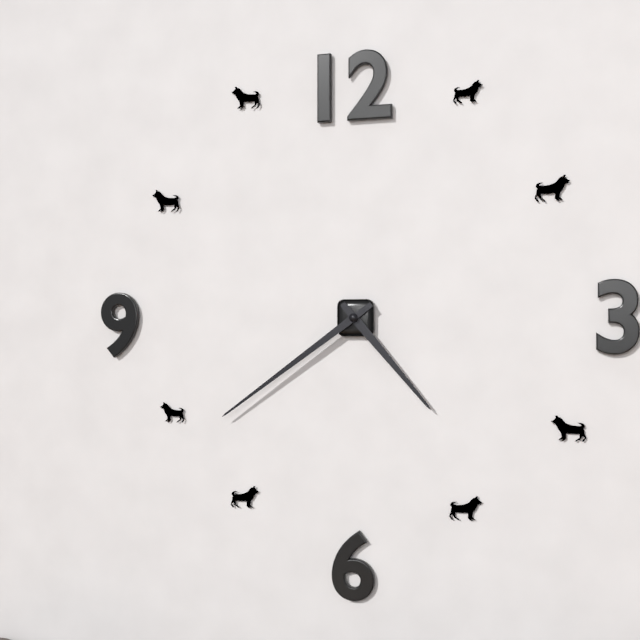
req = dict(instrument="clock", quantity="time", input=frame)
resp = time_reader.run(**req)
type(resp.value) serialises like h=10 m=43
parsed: h=4 m=39
